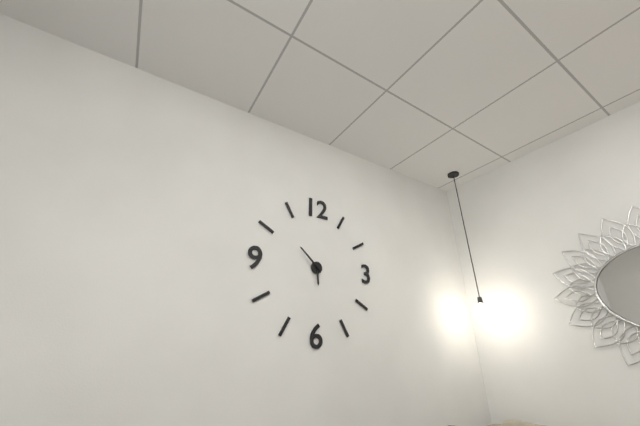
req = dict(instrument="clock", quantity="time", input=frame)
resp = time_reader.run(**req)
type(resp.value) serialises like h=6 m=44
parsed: h=5 m=52
